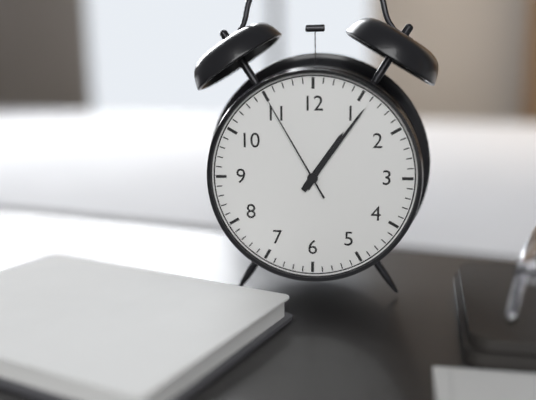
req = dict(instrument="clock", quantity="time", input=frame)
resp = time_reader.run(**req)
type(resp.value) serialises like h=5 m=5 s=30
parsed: h=1 m=6 s=55
